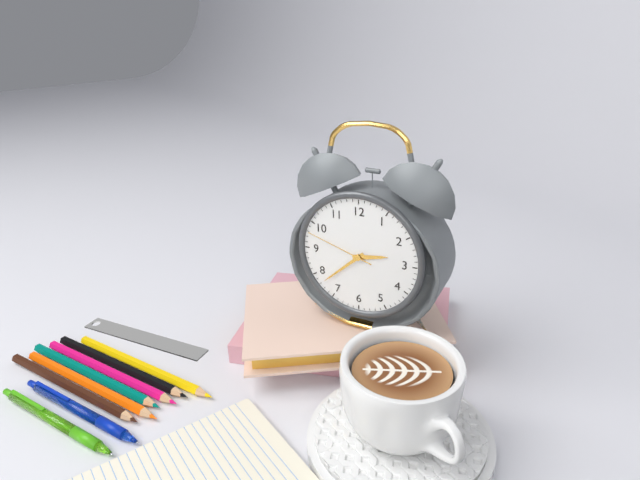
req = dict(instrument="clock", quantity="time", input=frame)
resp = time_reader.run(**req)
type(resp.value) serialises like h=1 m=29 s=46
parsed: h=2 m=38 s=48
